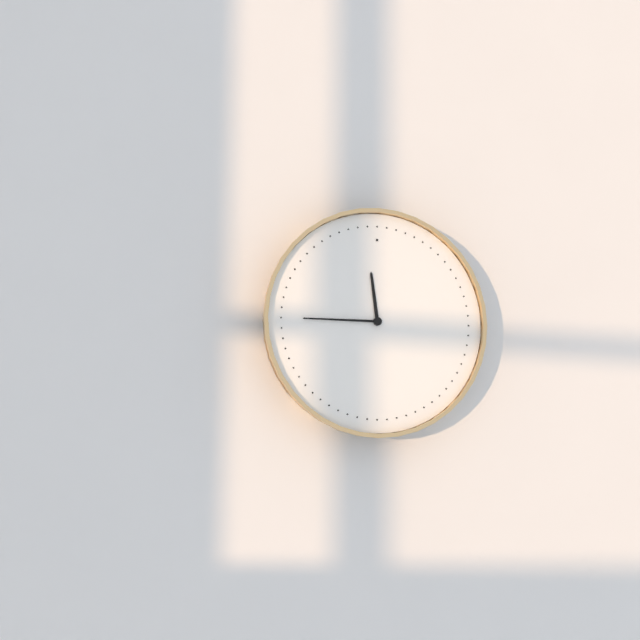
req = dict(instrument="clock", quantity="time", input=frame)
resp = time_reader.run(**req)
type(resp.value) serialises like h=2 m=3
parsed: h=11 m=45
